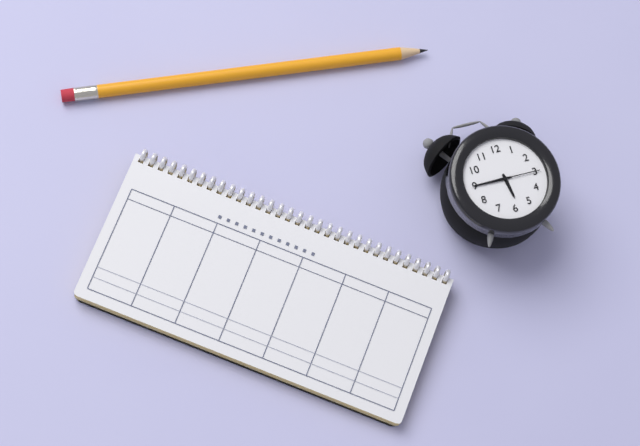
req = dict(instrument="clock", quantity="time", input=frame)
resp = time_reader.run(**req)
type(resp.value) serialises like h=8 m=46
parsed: h=5 m=45
